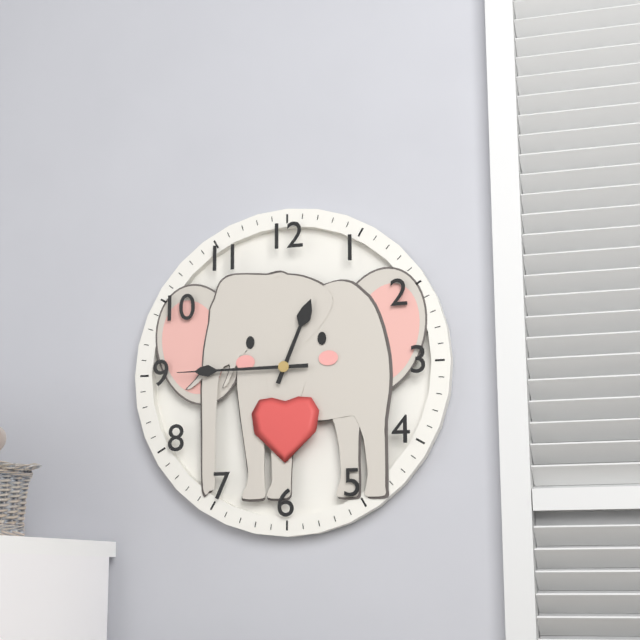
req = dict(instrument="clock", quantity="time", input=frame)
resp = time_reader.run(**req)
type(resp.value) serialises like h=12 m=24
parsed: h=12 m=45
